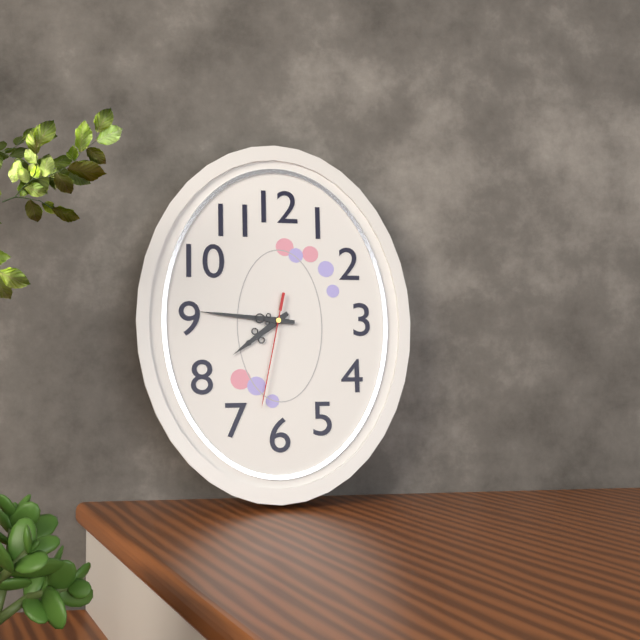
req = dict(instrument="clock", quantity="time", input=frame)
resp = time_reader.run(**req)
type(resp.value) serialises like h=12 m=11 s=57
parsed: h=7 m=46 s=32
